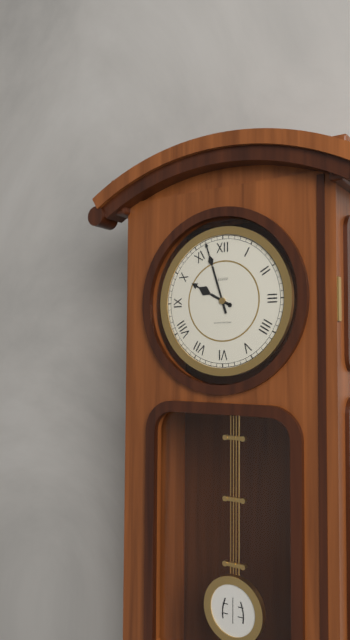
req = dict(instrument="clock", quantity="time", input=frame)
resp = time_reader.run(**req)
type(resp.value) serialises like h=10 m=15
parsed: h=9 m=57
